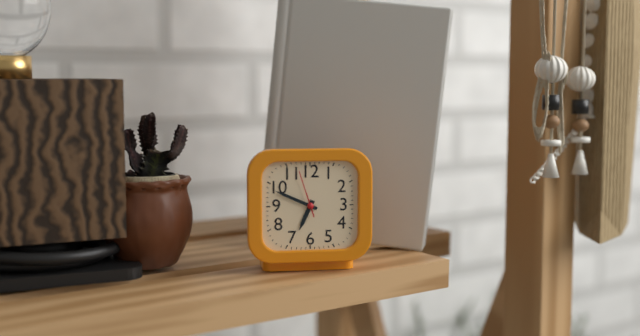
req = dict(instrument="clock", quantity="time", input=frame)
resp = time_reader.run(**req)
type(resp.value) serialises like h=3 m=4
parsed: h=6 m=49
